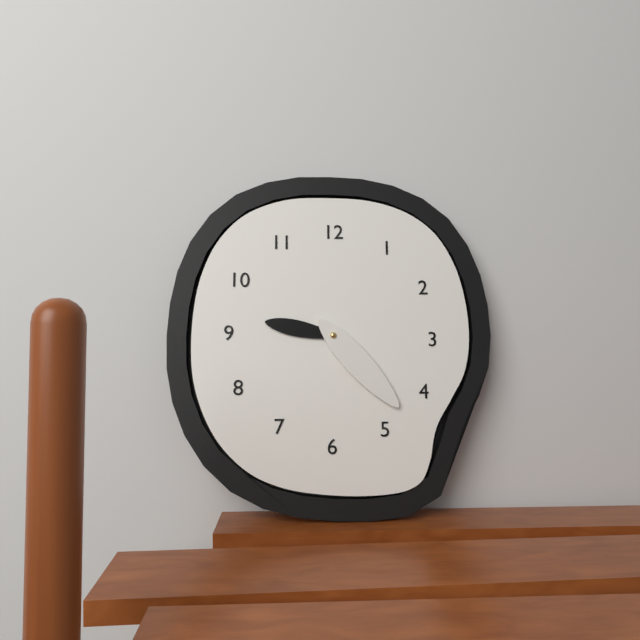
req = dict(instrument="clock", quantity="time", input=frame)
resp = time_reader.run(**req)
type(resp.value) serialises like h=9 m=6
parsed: h=9 m=23
